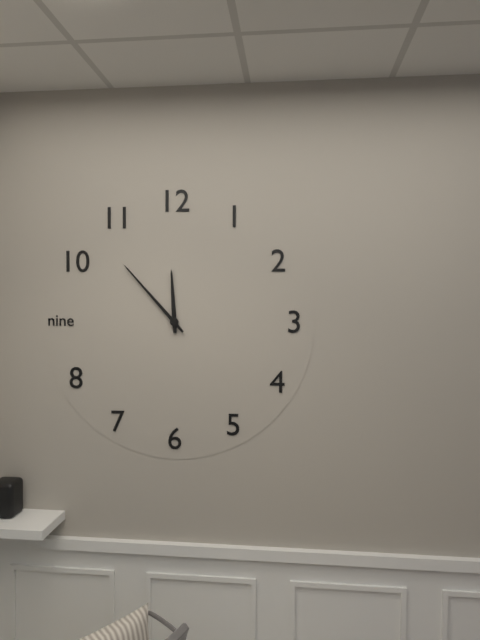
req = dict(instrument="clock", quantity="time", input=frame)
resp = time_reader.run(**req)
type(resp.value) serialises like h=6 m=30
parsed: h=11 m=53
